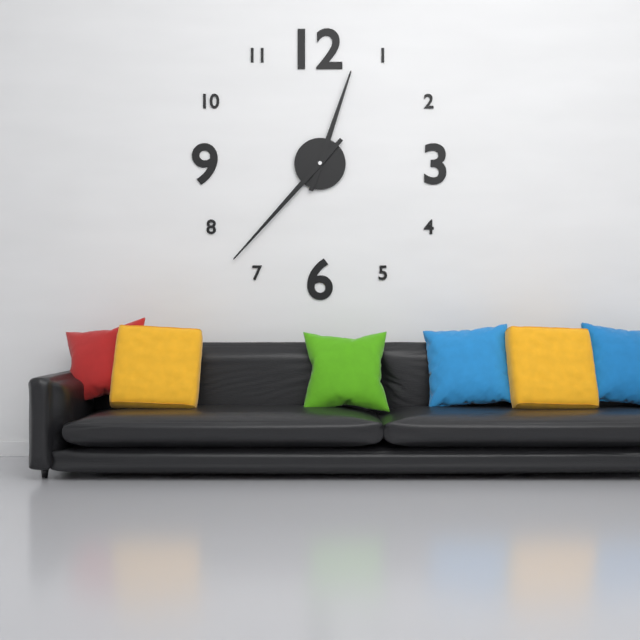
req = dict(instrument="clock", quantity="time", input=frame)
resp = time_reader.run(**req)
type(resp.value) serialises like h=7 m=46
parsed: h=12 m=37
